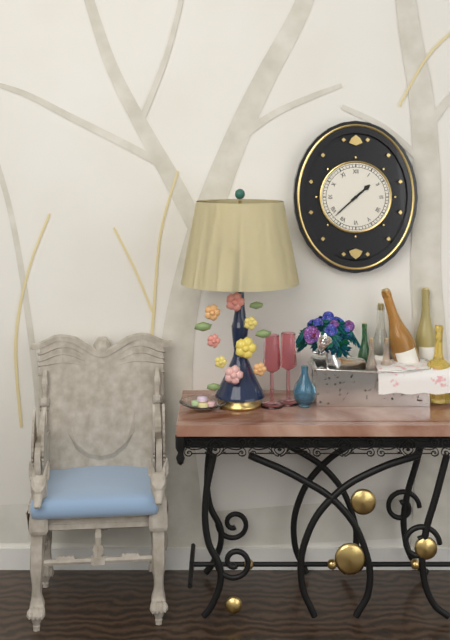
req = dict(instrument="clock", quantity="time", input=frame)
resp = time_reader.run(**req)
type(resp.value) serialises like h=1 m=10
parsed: h=1 m=38
